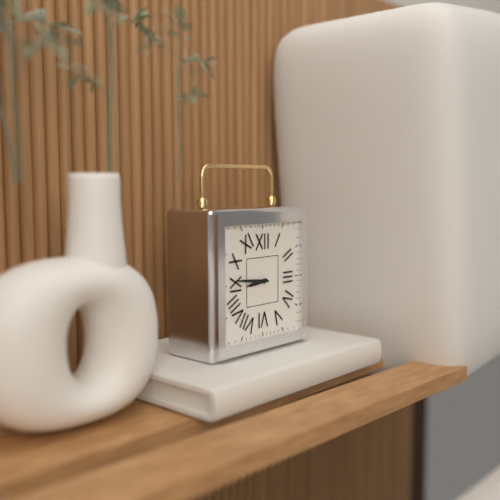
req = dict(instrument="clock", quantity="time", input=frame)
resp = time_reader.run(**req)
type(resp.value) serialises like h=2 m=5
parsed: h=8 m=46
